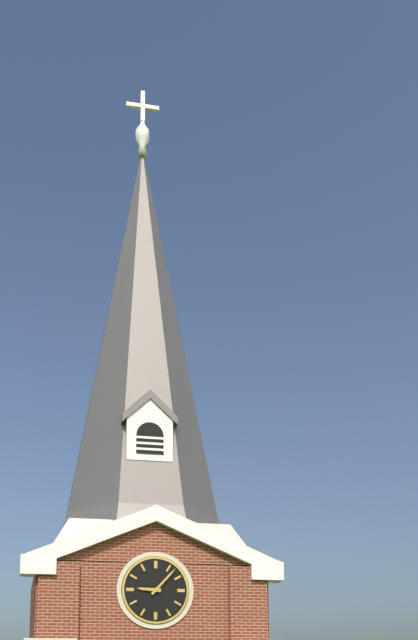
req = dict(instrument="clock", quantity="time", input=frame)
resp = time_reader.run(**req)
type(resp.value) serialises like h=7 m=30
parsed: h=9 m=7
